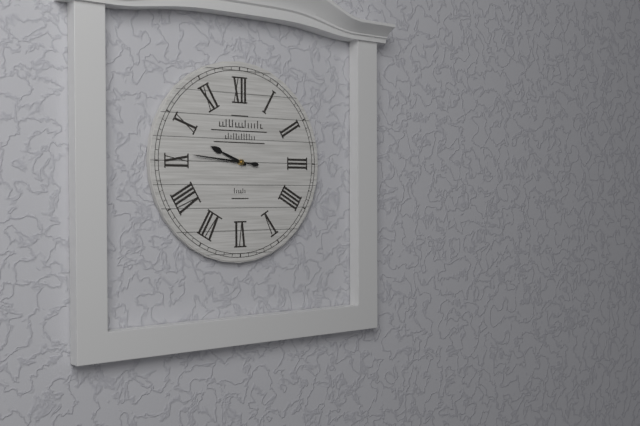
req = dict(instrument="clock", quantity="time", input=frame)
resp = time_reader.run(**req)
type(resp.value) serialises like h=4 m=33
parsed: h=9 m=46
